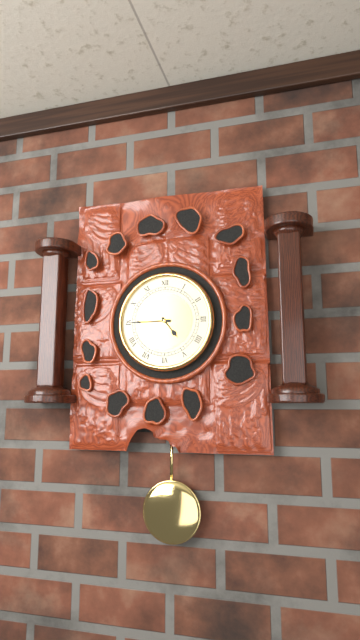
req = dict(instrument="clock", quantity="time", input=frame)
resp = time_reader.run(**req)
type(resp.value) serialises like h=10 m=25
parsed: h=4 m=45
